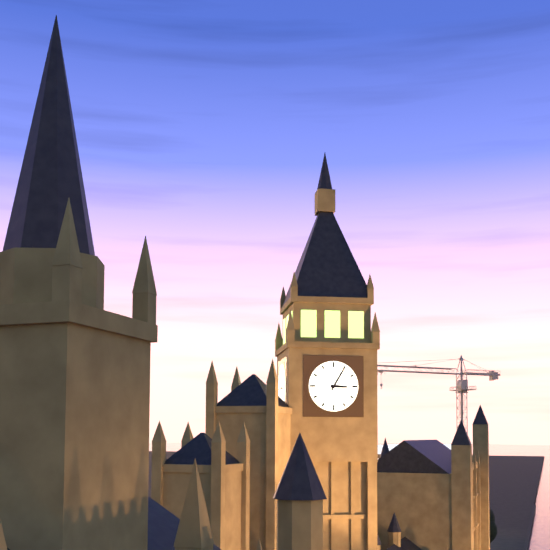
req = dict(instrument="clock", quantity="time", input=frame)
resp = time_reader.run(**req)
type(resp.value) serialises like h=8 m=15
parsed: h=3 m=5
